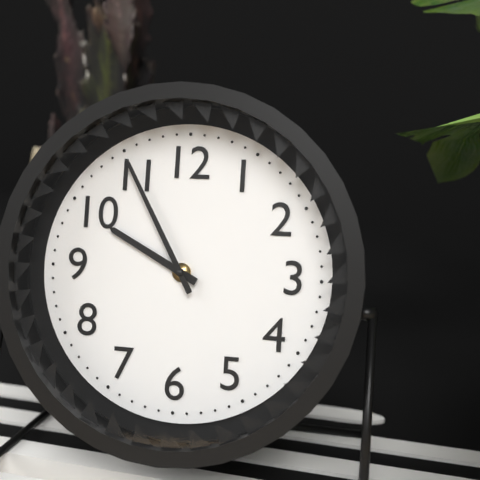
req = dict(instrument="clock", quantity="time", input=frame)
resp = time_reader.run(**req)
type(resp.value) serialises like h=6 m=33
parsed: h=9 m=55
